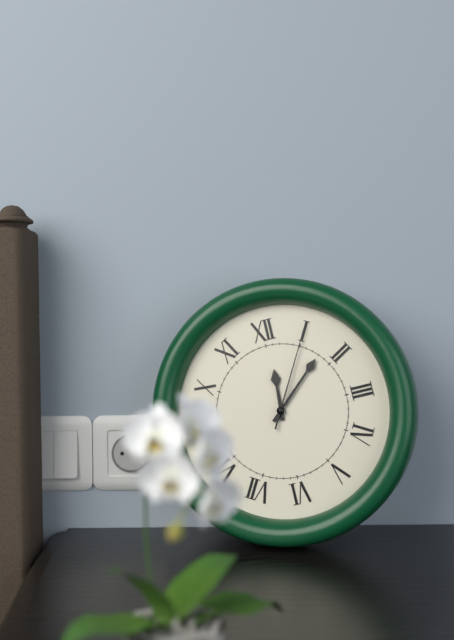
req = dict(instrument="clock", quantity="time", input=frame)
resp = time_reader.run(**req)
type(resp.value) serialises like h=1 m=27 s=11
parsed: h=12 m=8 s=5
